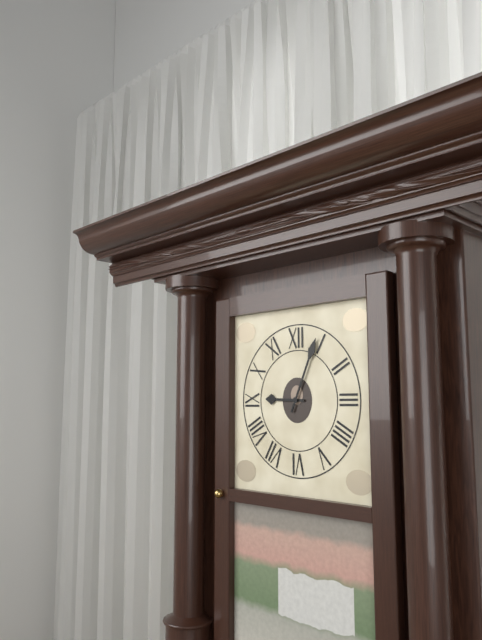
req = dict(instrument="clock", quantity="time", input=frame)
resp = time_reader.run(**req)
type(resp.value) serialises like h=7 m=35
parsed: h=9 m=4
